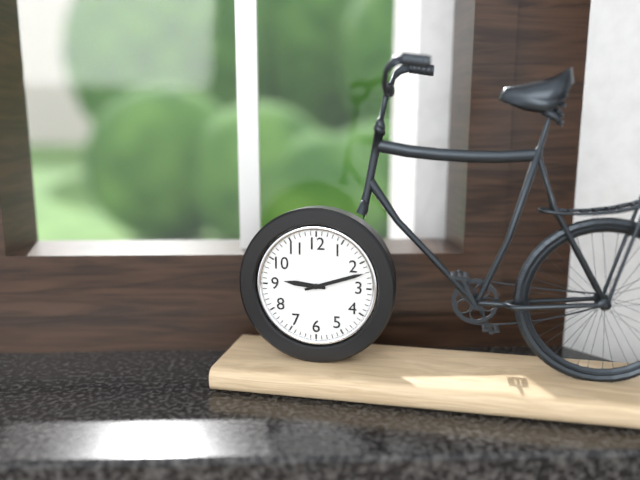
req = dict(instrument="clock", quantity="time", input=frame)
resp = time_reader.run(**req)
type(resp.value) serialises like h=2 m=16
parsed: h=9 m=12
